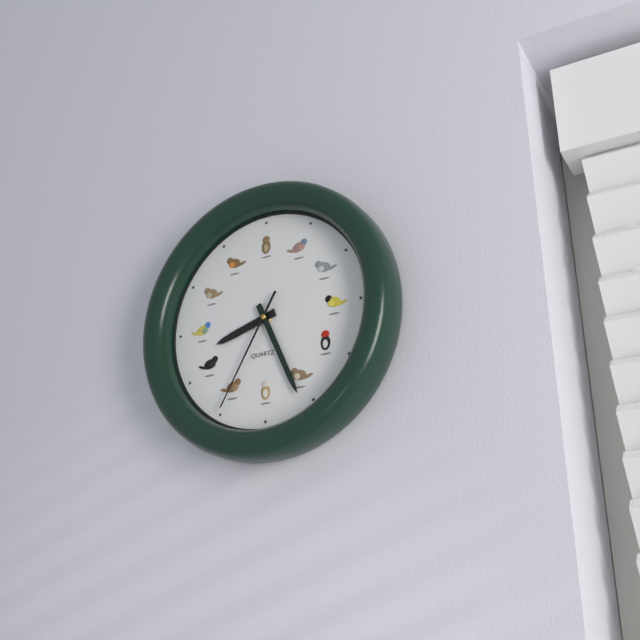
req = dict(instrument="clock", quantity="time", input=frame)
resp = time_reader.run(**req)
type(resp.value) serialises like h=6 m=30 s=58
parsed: h=8 m=26 s=35
